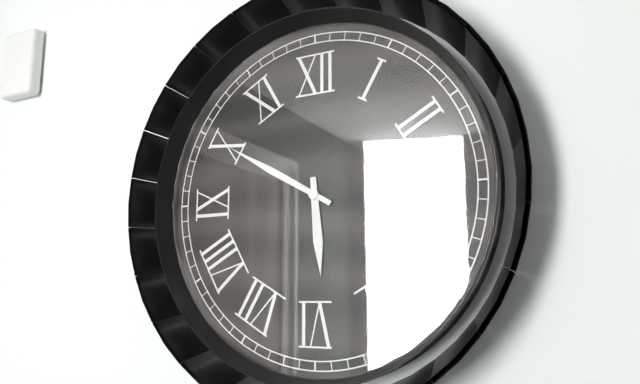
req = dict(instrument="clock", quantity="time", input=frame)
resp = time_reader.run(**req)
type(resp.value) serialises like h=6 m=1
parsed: h=5 m=50
